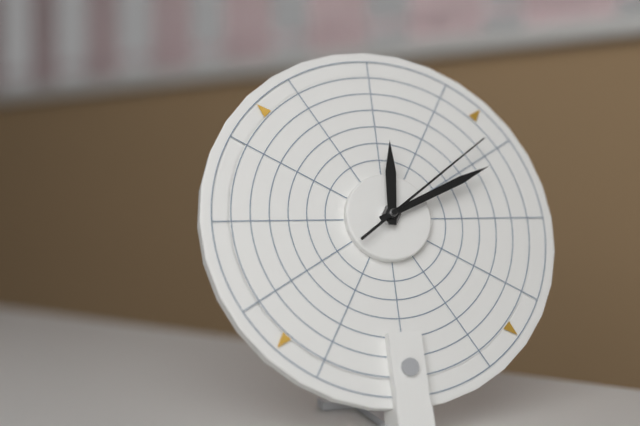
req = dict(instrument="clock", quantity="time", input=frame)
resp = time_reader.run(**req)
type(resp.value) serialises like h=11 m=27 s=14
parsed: h=12 m=11 s=9
